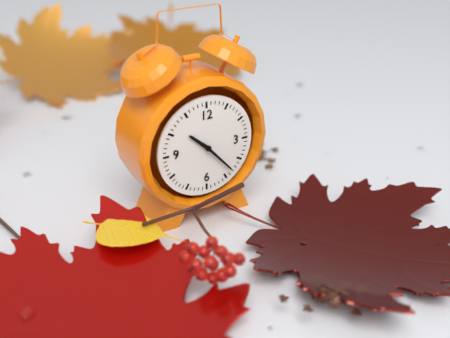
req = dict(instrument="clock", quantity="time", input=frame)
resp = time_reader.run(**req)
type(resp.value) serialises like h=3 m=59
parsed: h=10 m=23
